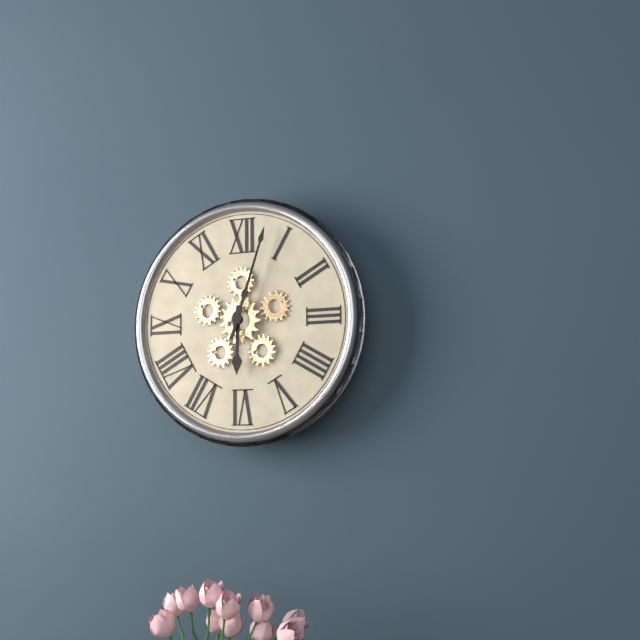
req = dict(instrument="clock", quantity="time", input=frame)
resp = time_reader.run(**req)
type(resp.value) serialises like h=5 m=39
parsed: h=6 m=3
